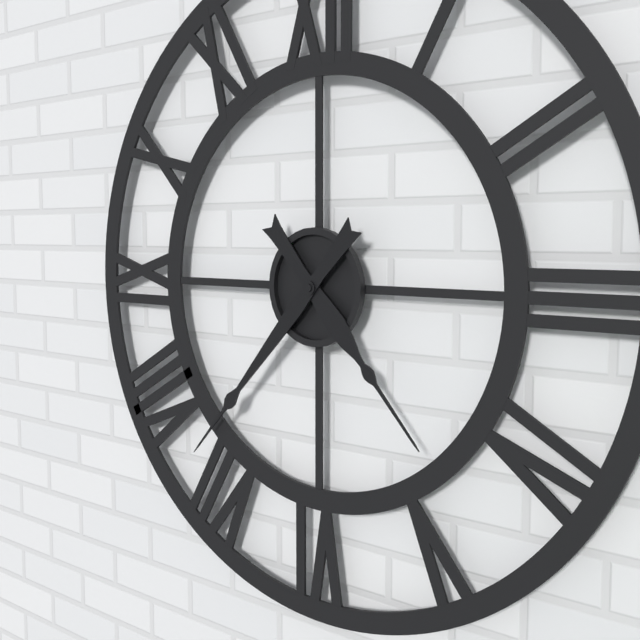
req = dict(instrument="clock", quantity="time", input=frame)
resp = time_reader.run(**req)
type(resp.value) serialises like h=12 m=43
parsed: h=4 m=37
